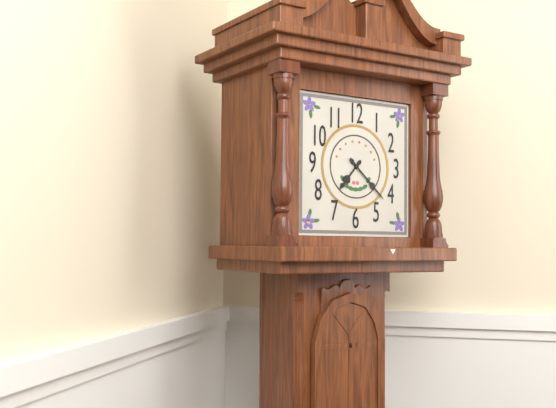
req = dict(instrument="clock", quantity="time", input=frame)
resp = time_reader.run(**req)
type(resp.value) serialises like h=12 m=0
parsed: h=7 m=22
